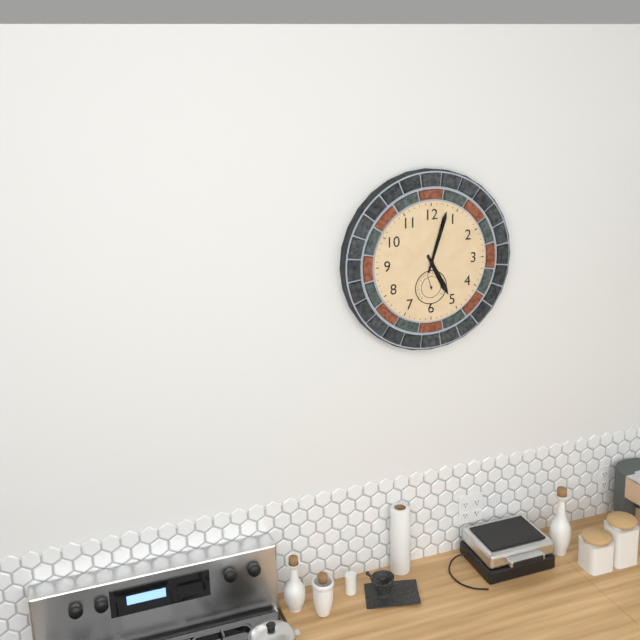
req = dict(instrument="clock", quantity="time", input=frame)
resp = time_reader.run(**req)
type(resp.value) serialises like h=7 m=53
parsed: h=5 m=3
